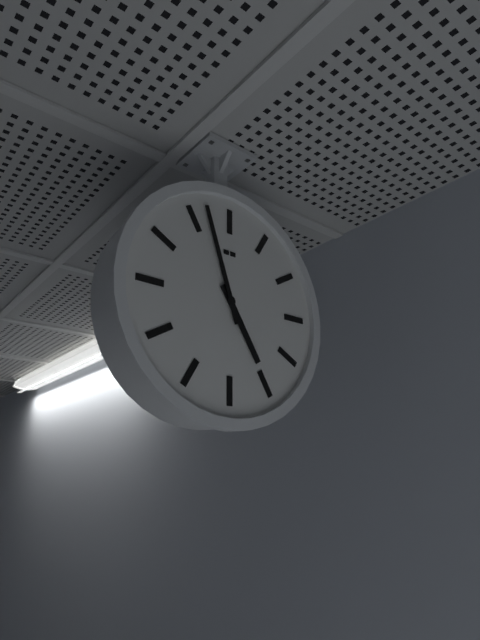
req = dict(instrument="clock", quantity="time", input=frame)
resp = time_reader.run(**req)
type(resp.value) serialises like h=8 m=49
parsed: h=4 m=57
